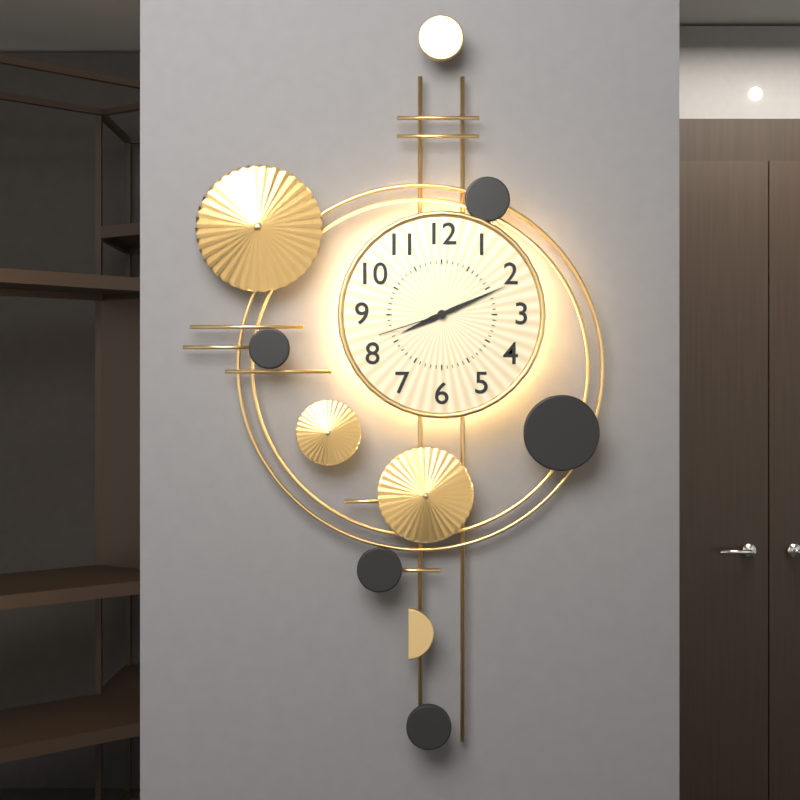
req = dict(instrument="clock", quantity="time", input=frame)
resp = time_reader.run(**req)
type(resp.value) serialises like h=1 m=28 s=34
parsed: h=8 m=11 s=42
